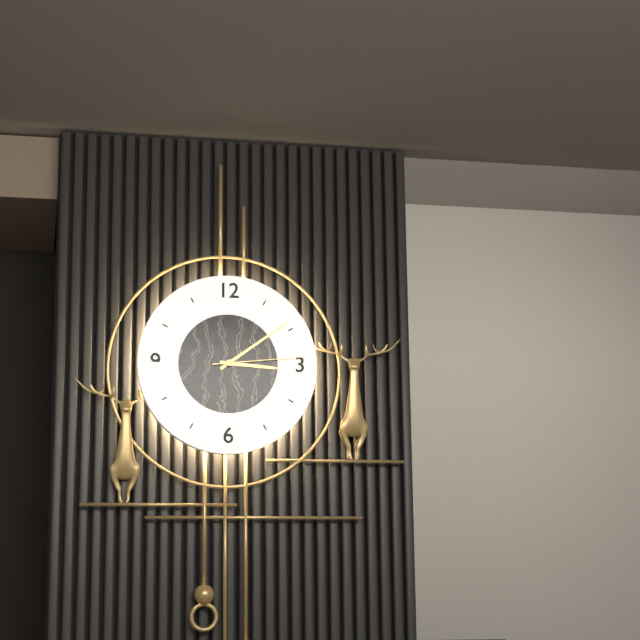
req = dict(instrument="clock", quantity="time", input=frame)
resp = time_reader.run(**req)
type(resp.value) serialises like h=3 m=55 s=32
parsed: h=3 m=9 s=14
